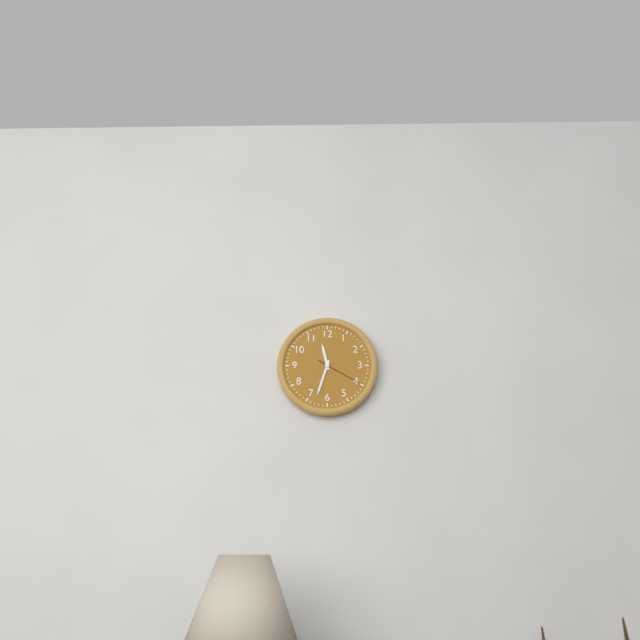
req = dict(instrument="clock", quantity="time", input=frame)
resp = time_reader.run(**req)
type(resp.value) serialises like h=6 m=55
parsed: h=11 m=33
